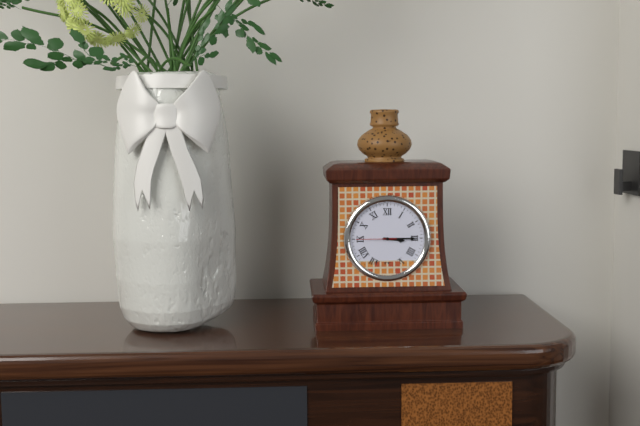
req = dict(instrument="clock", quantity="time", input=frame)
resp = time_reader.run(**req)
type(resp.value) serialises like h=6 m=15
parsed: h=3 m=15
